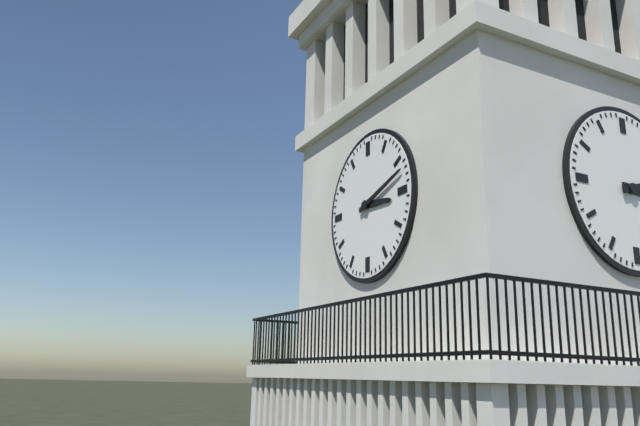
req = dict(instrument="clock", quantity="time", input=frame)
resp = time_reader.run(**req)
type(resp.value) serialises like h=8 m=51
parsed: h=3 m=12
